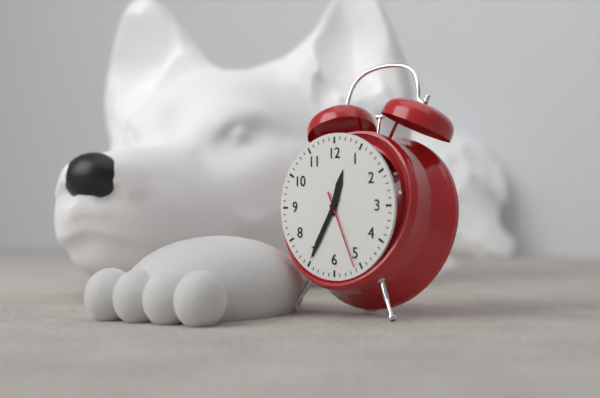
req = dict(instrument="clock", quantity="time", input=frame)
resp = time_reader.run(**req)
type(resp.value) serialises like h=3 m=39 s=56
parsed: h=12 m=35 s=26
